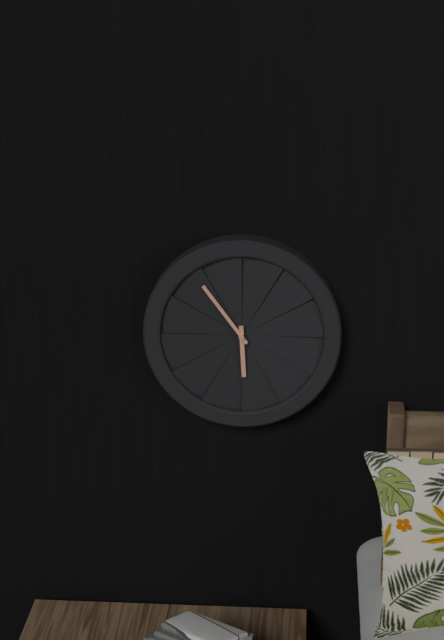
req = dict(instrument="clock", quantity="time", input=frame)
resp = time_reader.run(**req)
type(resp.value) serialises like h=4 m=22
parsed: h=5 m=54
